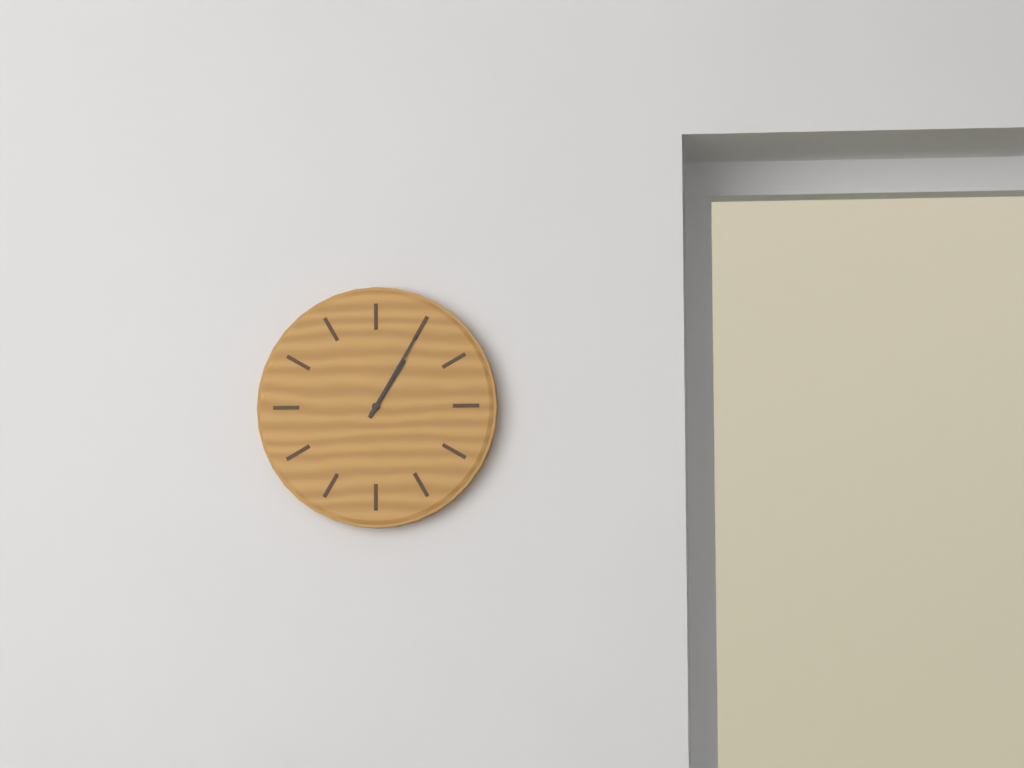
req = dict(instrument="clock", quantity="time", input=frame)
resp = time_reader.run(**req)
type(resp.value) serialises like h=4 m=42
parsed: h=1 m=5
